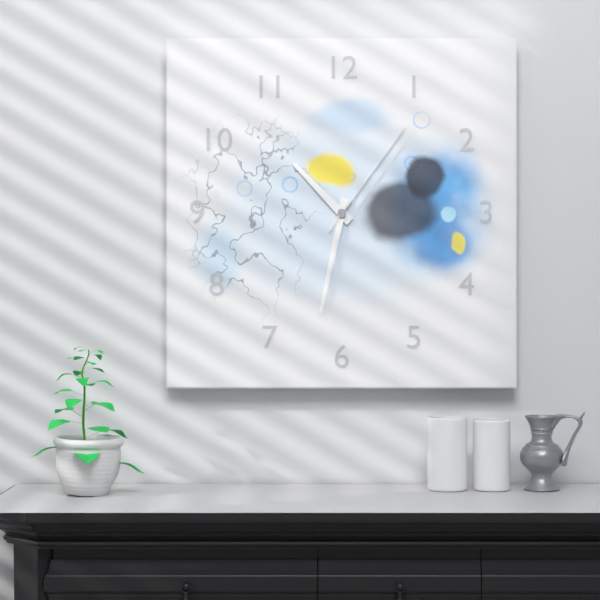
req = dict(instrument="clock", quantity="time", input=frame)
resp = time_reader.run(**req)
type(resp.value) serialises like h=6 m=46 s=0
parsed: h=10 m=32 s=6
